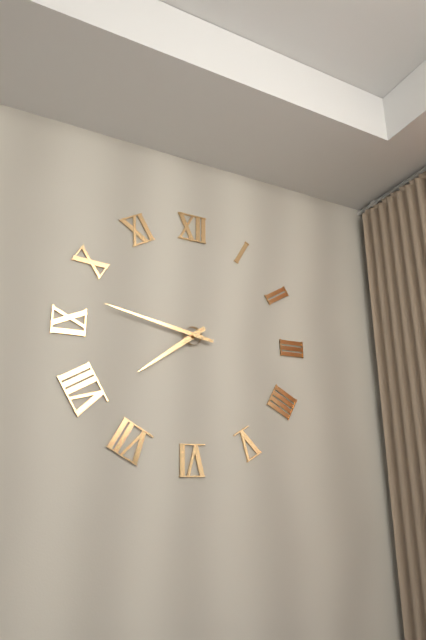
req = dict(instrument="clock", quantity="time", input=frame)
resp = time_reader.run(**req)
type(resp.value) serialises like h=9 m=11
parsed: h=7 m=47
